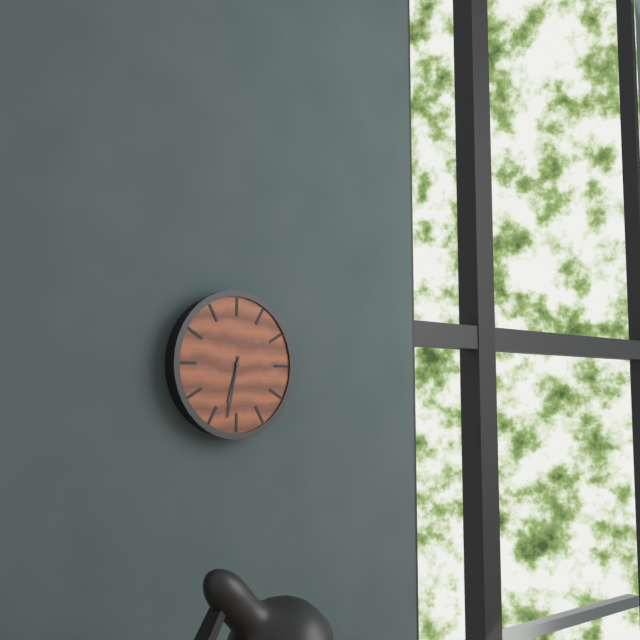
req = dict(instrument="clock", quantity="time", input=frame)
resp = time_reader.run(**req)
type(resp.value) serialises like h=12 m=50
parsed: h=6 m=32
